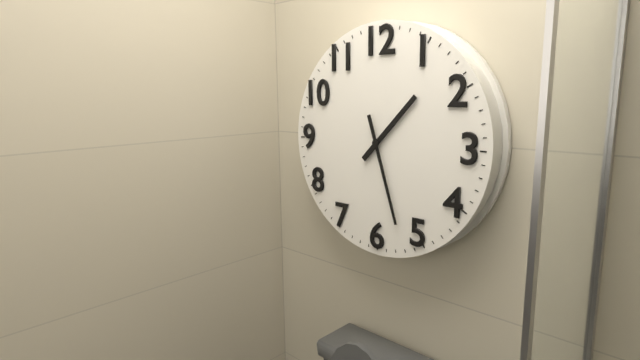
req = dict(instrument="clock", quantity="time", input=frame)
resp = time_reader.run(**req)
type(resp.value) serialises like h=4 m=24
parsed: h=1 m=27
